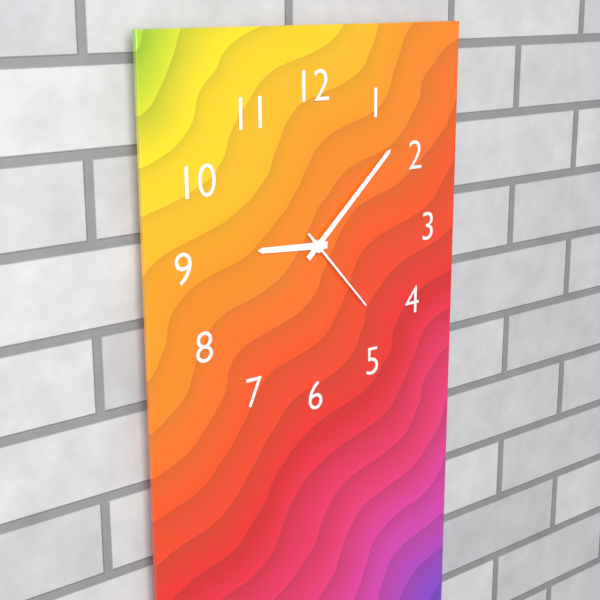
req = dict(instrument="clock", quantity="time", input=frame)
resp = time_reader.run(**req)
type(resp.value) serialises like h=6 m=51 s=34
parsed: h=9 m=8 s=23
